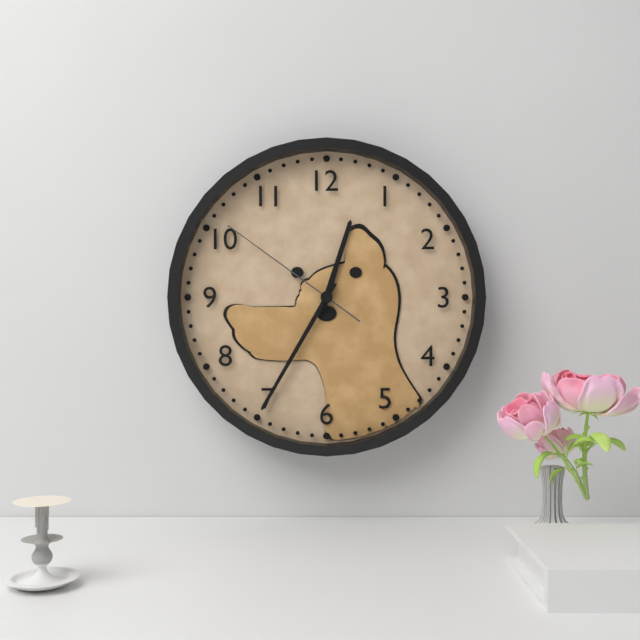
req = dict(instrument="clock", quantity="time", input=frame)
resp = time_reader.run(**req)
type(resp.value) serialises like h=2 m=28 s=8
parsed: h=12 m=35 s=51
